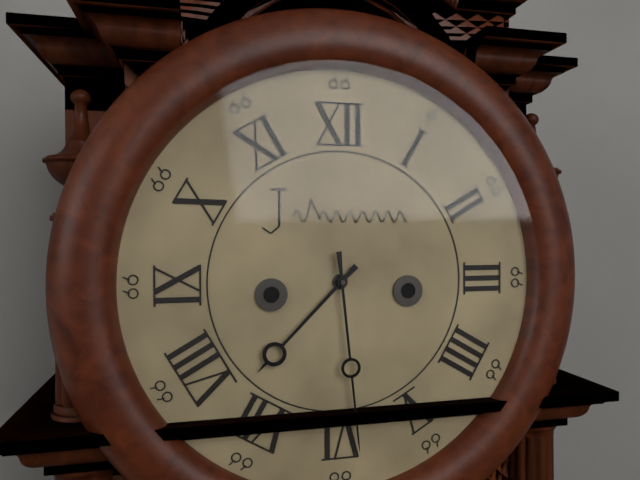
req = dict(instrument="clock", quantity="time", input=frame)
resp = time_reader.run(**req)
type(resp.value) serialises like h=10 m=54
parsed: h=7 m=29
